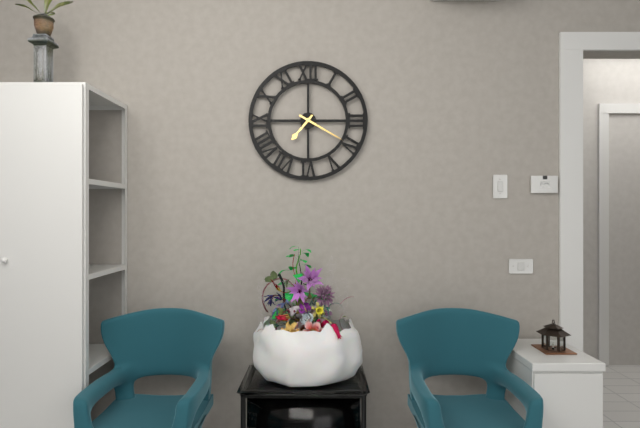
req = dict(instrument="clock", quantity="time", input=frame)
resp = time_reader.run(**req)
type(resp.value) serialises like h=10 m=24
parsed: h=7 m=20
